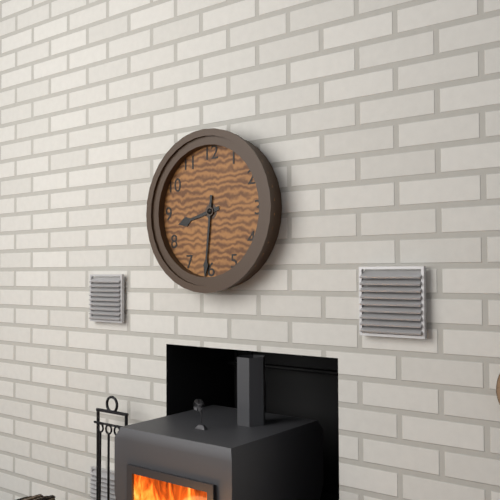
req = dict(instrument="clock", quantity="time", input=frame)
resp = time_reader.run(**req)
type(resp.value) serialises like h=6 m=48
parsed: h=8 m=31
